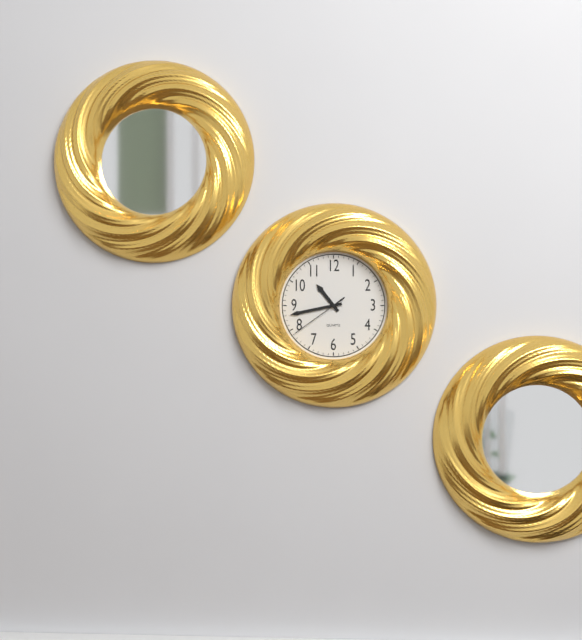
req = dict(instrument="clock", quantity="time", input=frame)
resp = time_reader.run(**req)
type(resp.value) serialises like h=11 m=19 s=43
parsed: h=10 m=43 s=39
